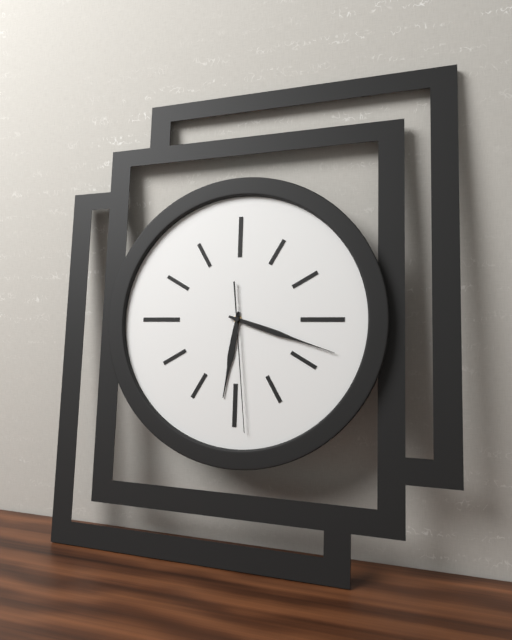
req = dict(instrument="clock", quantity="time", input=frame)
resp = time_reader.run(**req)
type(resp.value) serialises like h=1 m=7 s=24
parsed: h=6 m=18 s=29
